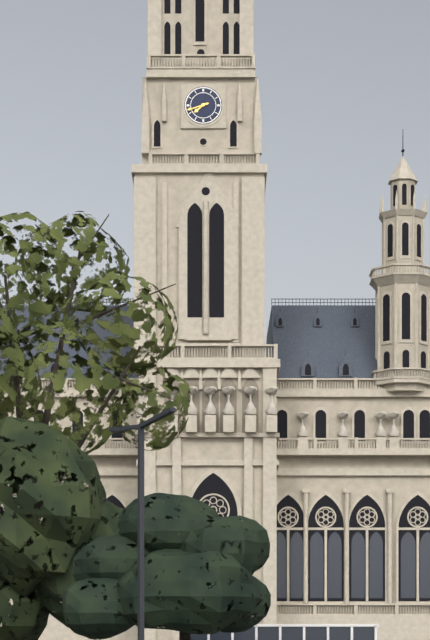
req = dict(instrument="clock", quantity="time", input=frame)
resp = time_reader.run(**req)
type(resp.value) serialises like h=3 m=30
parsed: h=7 m=42
